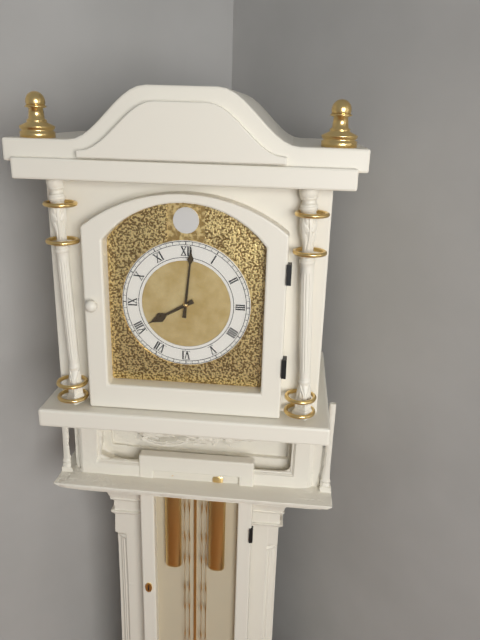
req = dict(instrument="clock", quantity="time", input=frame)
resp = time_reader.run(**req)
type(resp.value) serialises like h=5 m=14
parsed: h=8 m=1
